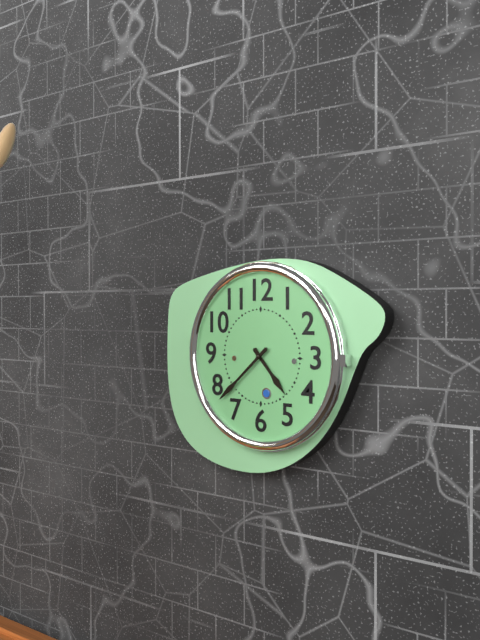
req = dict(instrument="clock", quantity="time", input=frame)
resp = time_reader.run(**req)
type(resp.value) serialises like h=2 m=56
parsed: h=4 m=38
